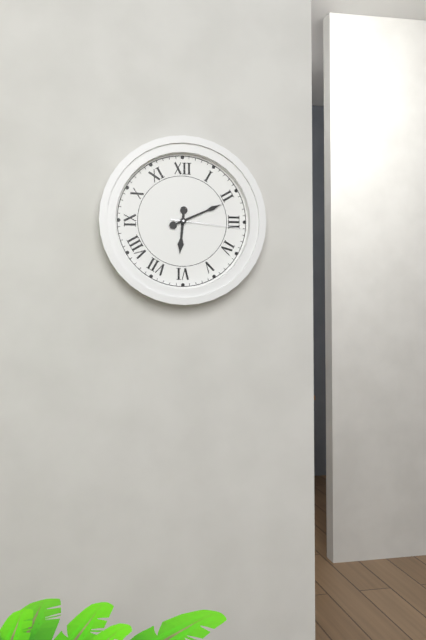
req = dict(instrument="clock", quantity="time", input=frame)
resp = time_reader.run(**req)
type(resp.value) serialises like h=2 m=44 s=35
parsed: h=6 m=11 s=16
